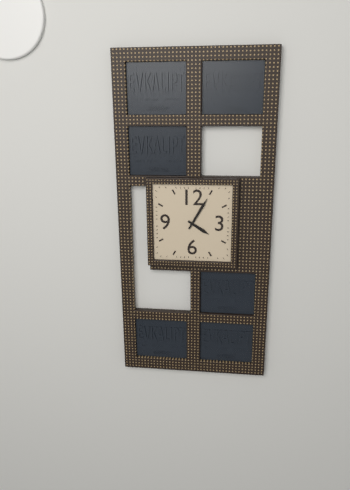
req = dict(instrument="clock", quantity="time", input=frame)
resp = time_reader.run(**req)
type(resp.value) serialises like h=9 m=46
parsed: h=4 m=5
